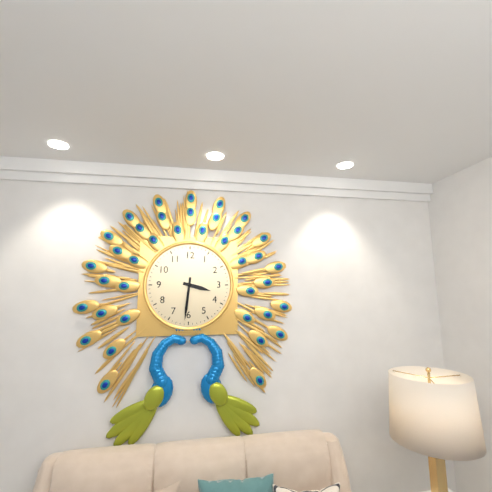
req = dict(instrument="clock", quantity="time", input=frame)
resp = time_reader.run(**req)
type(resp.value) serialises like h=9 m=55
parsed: h=3 m=31
